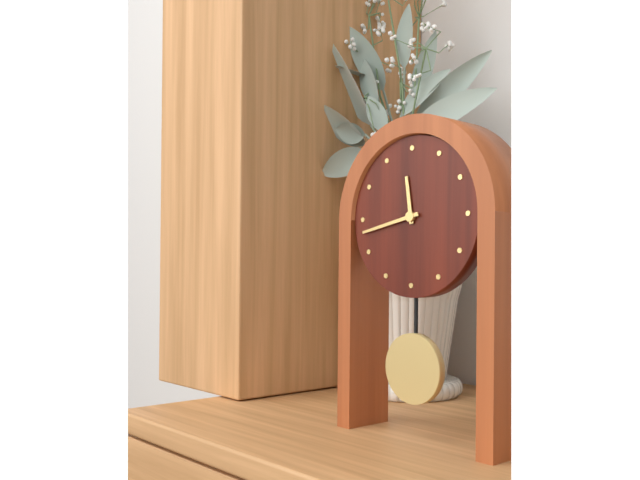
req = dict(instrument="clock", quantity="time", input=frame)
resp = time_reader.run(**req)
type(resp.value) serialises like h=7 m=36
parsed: h=11 m=43
